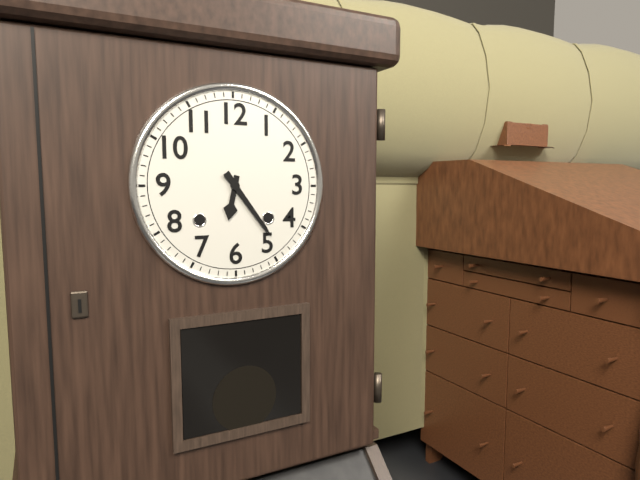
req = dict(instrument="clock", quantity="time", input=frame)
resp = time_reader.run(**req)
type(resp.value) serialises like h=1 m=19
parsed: h=6 m=24
